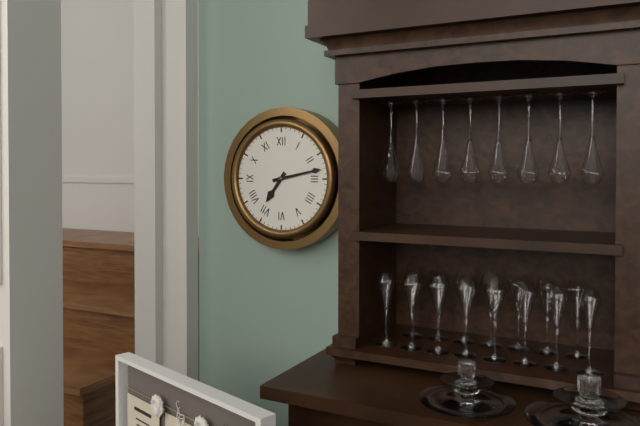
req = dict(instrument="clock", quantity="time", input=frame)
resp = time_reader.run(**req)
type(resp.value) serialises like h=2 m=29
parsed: h=7 m=13
